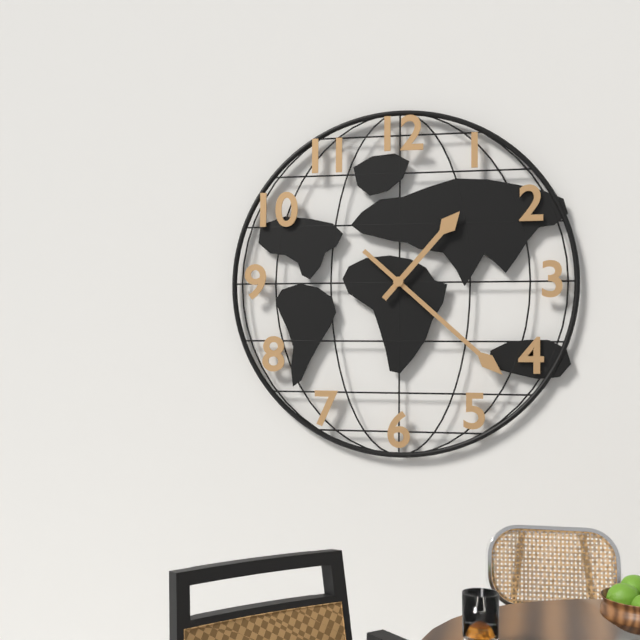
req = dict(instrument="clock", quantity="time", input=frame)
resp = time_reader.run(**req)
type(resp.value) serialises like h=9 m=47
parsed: h=1 m=22
